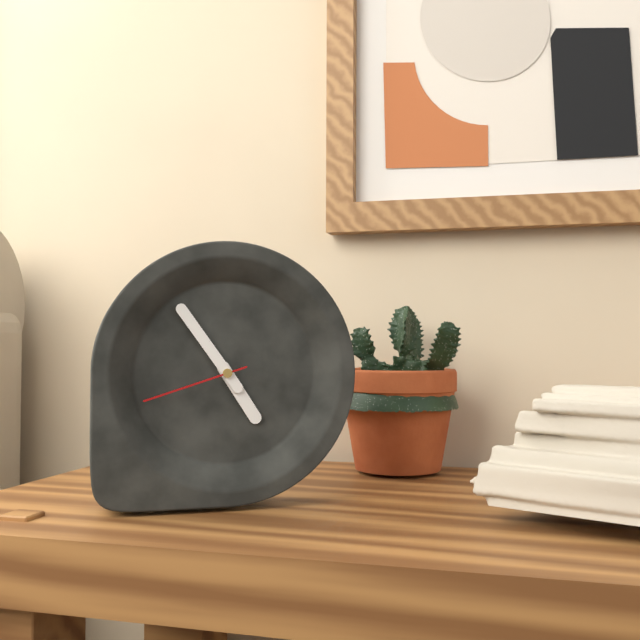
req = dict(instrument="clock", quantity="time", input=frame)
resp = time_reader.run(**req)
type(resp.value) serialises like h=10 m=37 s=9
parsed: h=4 m=54 s=42
